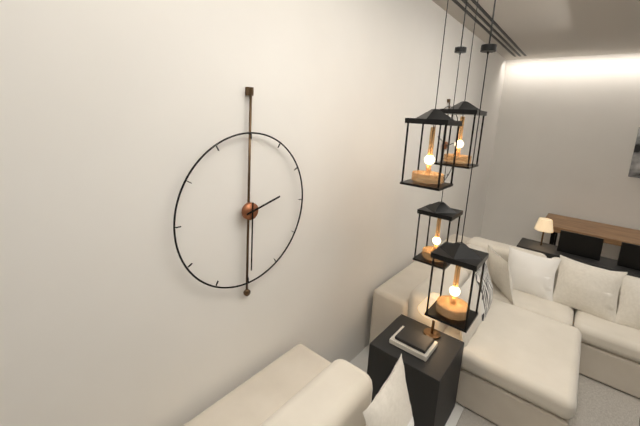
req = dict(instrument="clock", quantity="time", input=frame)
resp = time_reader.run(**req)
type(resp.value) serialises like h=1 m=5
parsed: h=2 m=30
